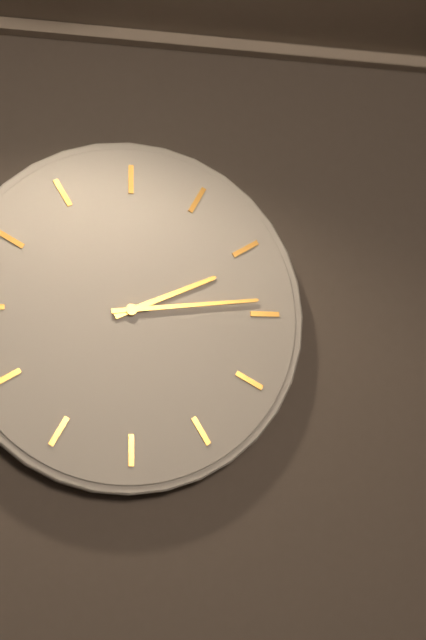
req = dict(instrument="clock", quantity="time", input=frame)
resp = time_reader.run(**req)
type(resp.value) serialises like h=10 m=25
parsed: h=2 m=14
